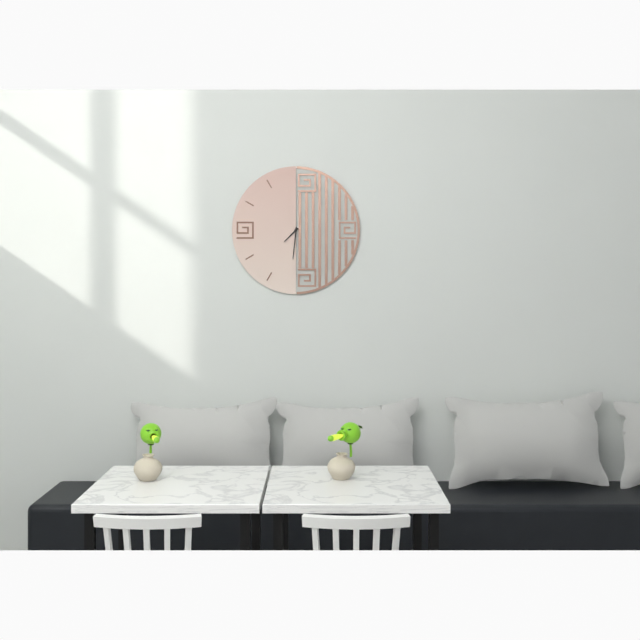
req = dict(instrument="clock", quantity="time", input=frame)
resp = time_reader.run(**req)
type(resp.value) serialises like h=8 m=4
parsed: h=7 m=31
